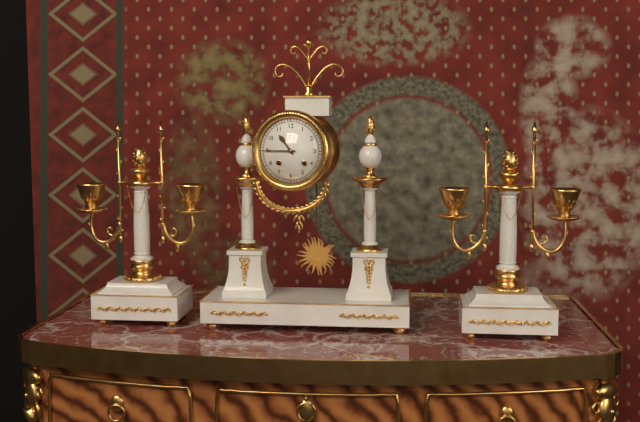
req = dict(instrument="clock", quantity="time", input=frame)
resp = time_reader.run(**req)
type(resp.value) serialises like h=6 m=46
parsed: h=10 m=45
